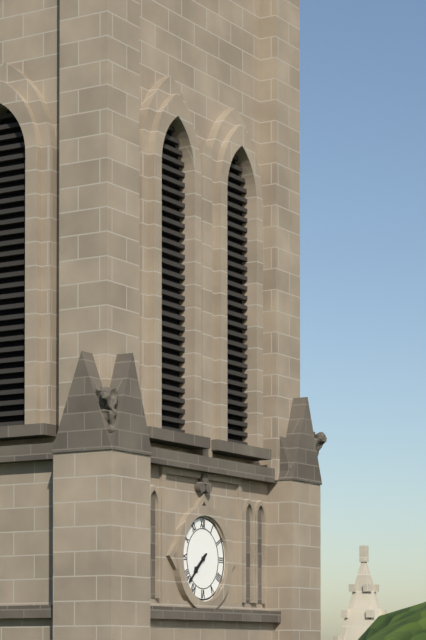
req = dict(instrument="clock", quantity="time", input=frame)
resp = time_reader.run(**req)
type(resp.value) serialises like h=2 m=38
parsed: h=7 m=38
